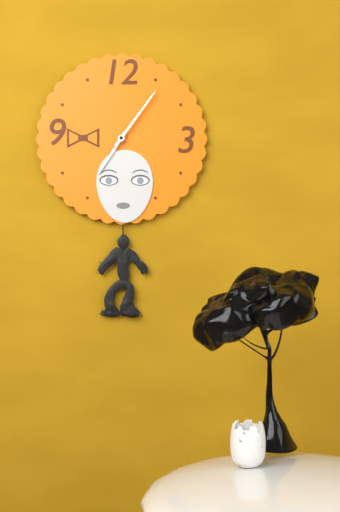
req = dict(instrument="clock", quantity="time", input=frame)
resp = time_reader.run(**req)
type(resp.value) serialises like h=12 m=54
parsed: h=7 m=6
